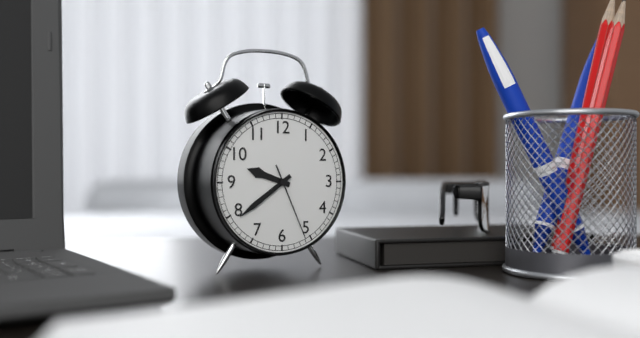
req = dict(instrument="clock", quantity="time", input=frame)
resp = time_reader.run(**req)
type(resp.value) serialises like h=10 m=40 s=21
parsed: h=9 m=39 s=26
